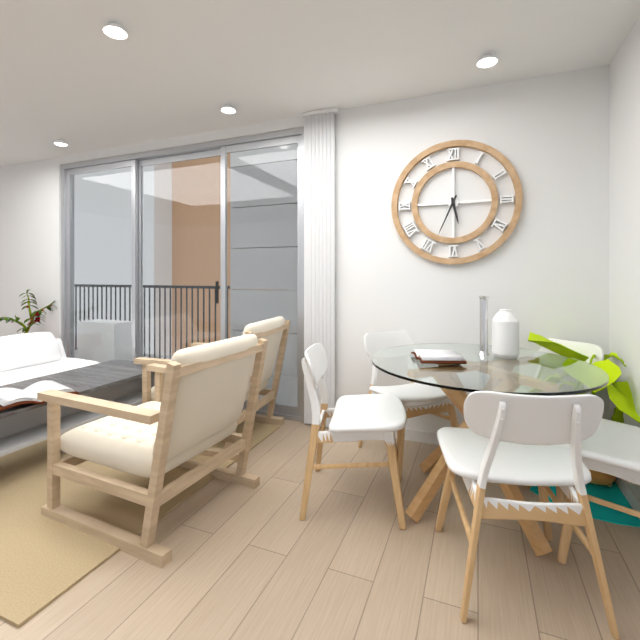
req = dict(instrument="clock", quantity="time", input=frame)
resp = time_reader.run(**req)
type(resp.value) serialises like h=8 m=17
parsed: h=5 m=34
